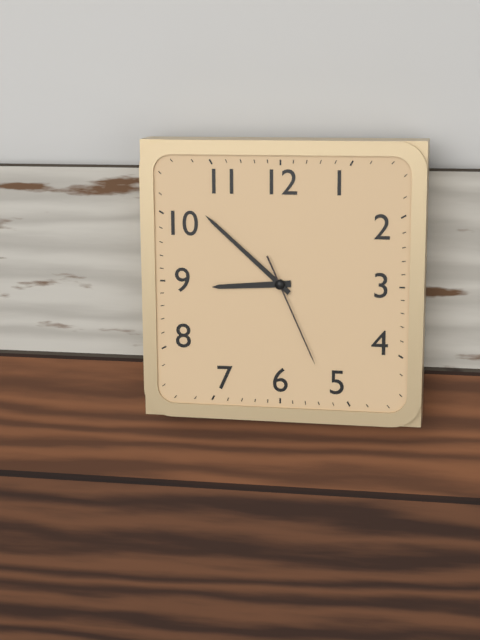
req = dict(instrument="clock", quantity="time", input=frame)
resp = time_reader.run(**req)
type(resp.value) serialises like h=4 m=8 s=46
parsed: h=8 m=52 s=26
